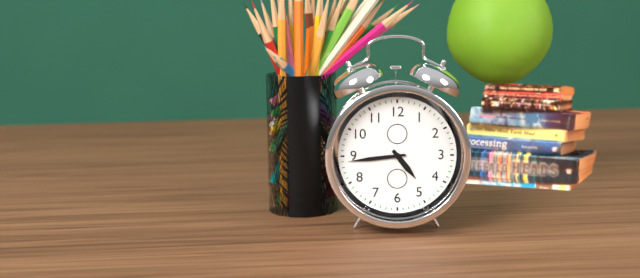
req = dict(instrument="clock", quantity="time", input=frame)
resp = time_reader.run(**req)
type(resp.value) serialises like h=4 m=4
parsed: h=4 m=44
